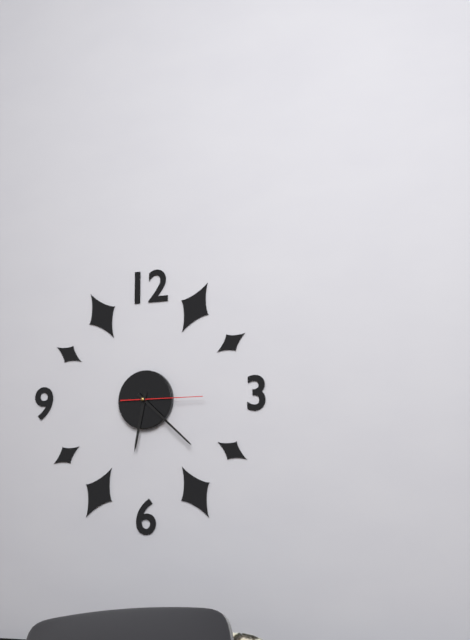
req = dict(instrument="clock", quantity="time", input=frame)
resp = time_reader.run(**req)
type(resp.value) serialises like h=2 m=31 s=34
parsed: h=6 m=22 s=15
